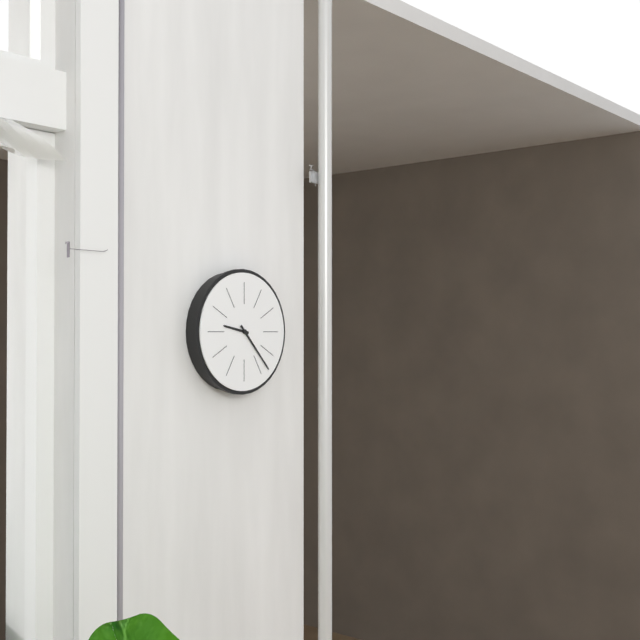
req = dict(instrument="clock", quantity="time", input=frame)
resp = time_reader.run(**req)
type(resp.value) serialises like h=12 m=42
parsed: h=9 m=23
